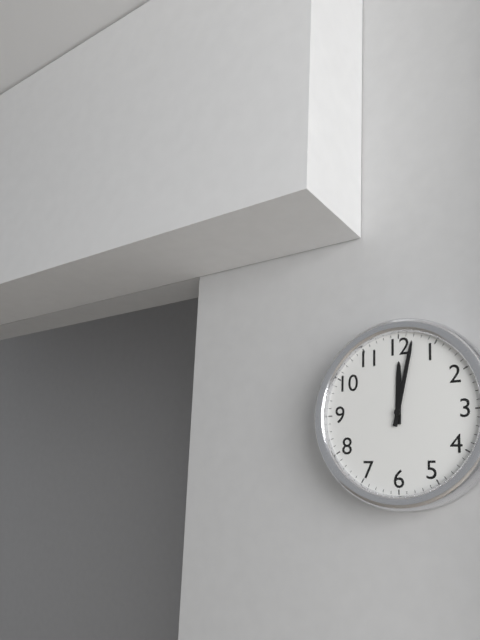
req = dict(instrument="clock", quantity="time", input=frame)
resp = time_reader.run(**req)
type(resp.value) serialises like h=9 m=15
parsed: h=12 m=2
